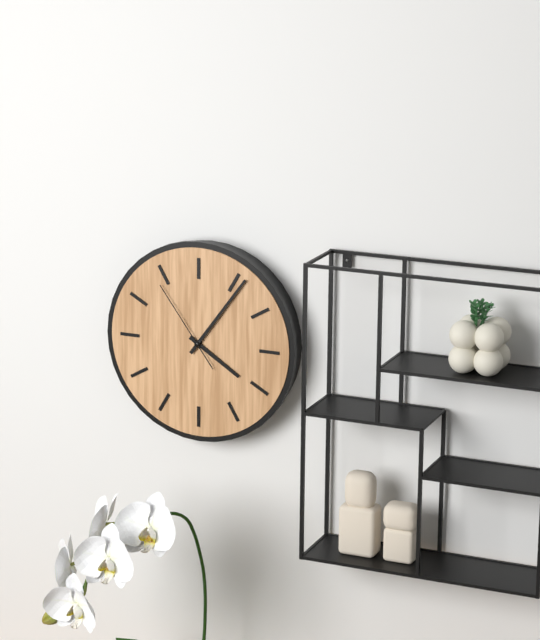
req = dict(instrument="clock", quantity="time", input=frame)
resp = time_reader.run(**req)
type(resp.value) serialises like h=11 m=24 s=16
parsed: h=4 m=6 s=54
